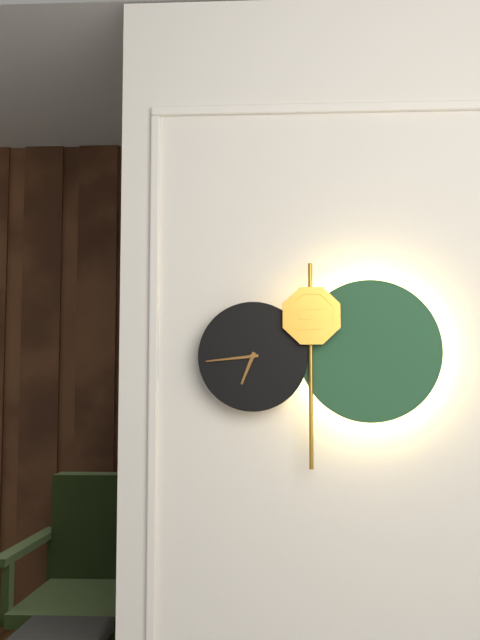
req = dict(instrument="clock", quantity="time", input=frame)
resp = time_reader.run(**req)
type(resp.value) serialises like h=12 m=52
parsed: h=6 m=44
